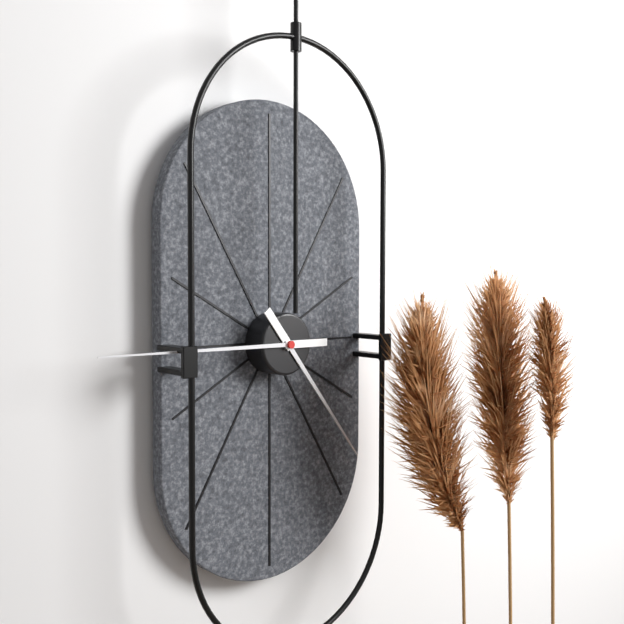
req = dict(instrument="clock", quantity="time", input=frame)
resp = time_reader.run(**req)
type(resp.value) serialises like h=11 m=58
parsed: h=4 m=45
